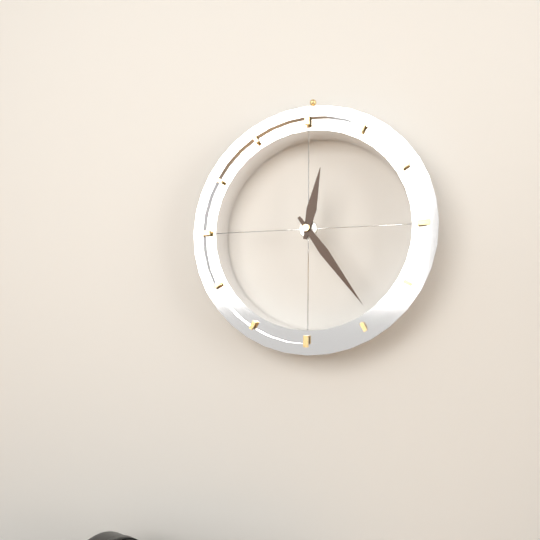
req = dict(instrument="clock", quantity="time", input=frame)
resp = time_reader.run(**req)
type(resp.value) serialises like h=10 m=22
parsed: h=12 m=24
